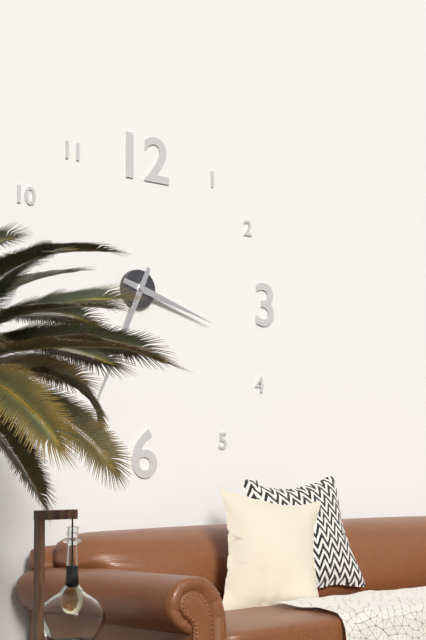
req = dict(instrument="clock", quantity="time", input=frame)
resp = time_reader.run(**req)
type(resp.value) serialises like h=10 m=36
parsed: h=3 m=34
